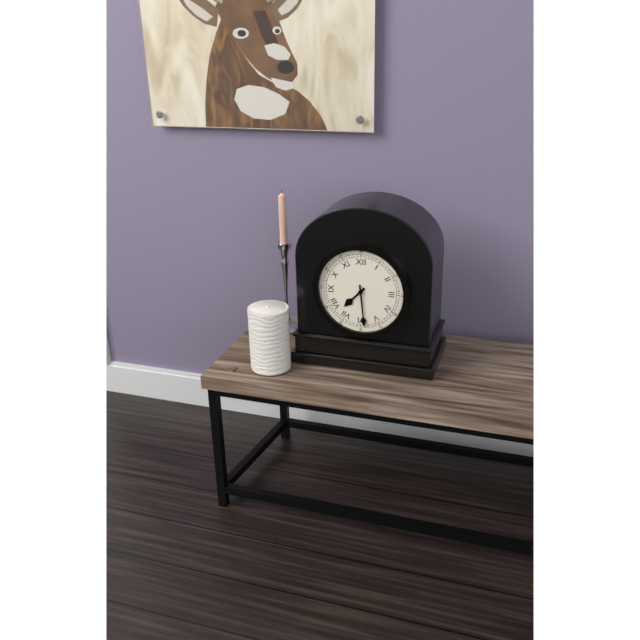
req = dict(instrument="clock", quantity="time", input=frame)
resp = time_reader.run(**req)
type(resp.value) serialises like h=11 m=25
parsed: h=7 m=29
